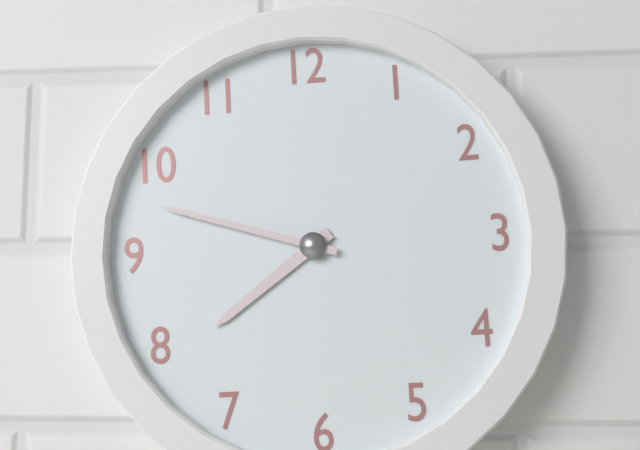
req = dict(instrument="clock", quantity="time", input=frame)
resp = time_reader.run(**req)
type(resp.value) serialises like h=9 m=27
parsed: h=7 m=48
